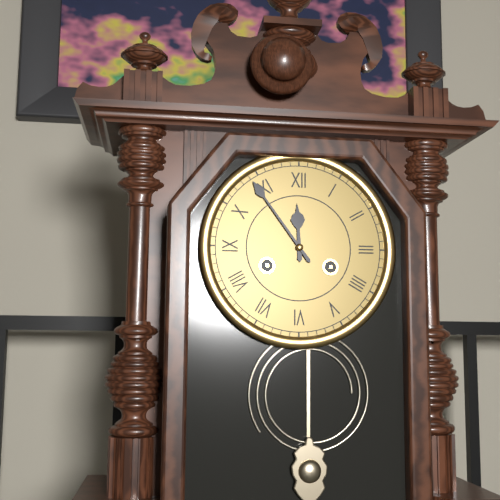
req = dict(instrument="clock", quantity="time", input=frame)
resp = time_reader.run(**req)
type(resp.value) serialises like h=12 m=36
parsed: h=11 m=54
